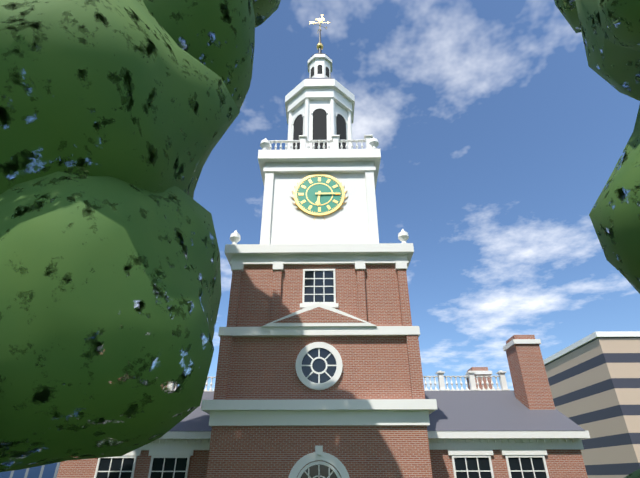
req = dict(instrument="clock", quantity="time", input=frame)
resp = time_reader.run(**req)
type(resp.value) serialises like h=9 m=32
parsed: h=6 m=15
